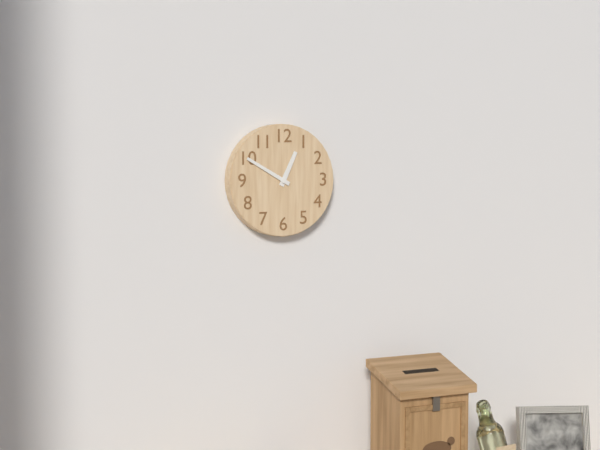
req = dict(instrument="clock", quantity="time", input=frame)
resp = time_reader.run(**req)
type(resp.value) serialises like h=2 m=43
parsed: h=12 m=50
